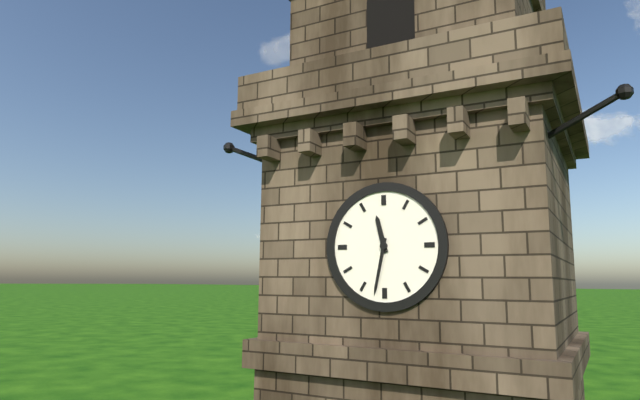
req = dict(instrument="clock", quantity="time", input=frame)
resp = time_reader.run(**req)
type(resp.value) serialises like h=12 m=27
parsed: h=11 m=32
